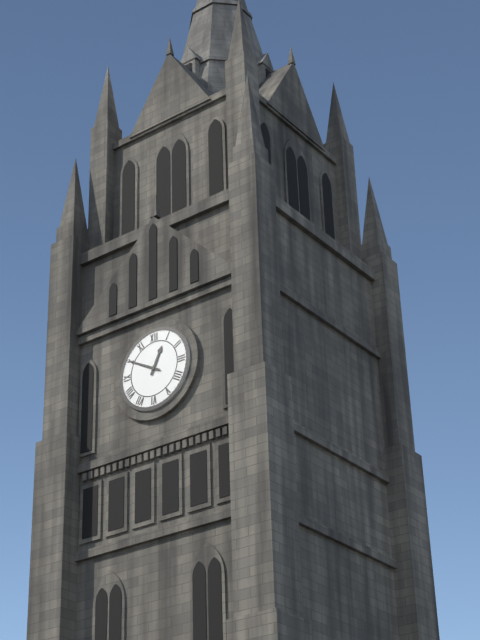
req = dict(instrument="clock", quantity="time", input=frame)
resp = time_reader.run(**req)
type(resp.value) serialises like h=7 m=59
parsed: h=12 m=50
